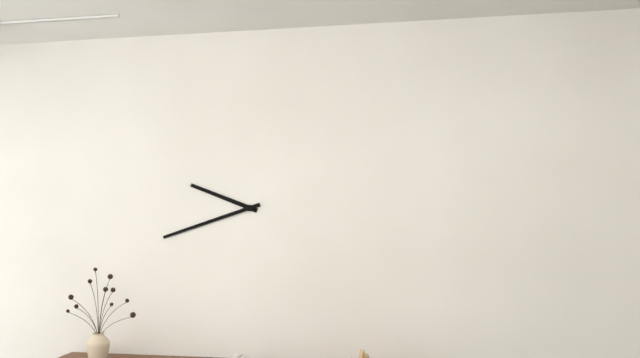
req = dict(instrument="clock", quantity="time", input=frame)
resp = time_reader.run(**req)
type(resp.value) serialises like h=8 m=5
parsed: h=9 m=42
